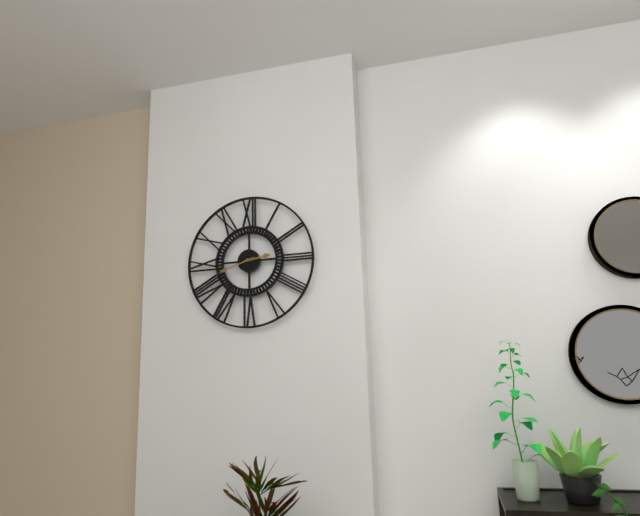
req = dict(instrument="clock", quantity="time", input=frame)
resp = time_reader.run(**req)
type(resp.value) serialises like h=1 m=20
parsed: h=2 m=42
